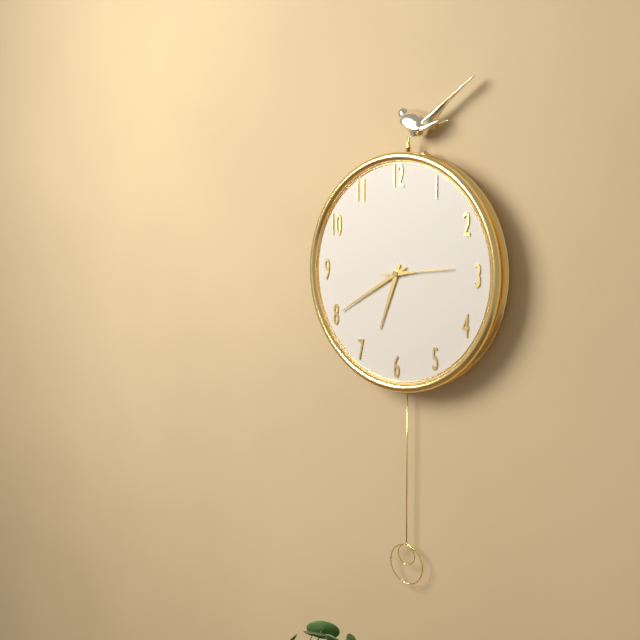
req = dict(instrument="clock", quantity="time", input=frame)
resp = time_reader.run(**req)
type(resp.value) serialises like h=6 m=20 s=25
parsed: h=6 m=40 s=14
